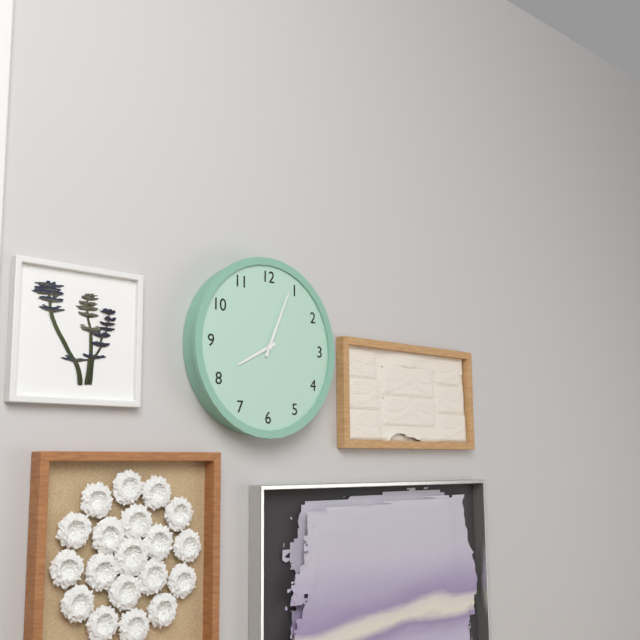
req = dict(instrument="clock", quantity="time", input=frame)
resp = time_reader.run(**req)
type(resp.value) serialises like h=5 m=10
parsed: h=8 m=4
